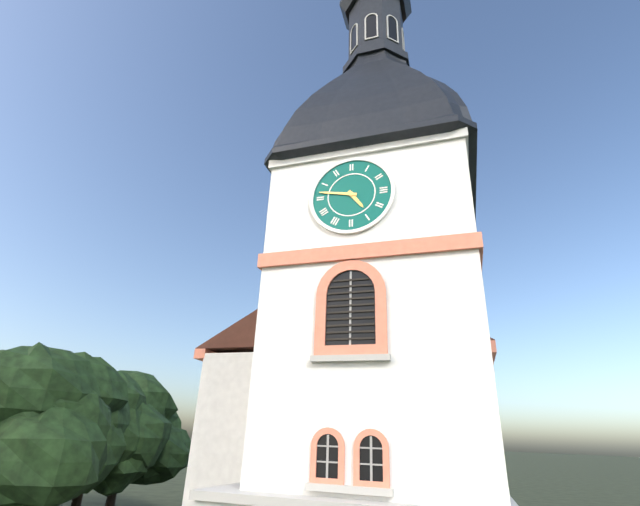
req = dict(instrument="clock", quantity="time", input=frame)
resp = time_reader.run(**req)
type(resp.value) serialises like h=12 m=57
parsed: h=4 m=47
